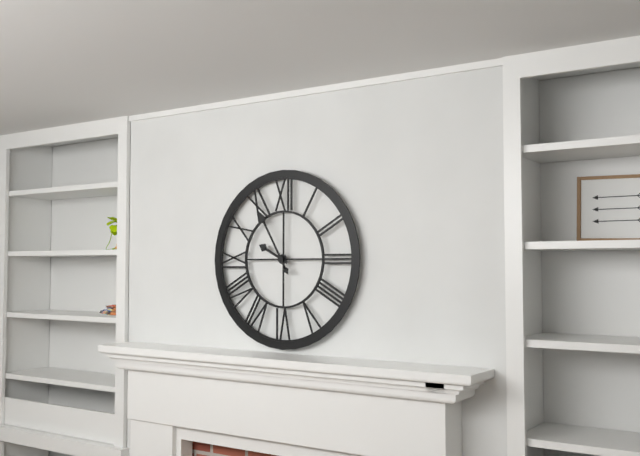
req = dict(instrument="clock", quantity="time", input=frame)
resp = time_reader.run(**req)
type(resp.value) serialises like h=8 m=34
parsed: h=9 m=55
